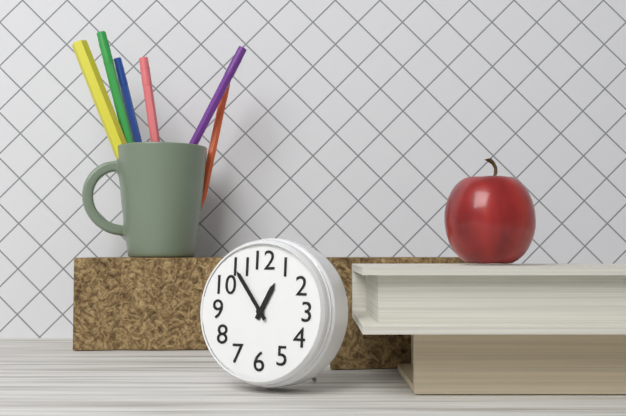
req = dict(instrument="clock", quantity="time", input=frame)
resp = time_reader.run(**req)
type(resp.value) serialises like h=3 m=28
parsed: h=12 m=54
